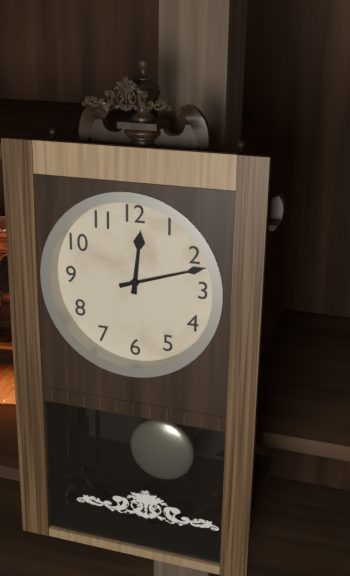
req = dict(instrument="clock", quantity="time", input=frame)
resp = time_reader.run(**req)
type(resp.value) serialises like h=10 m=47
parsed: h=12 m=12
